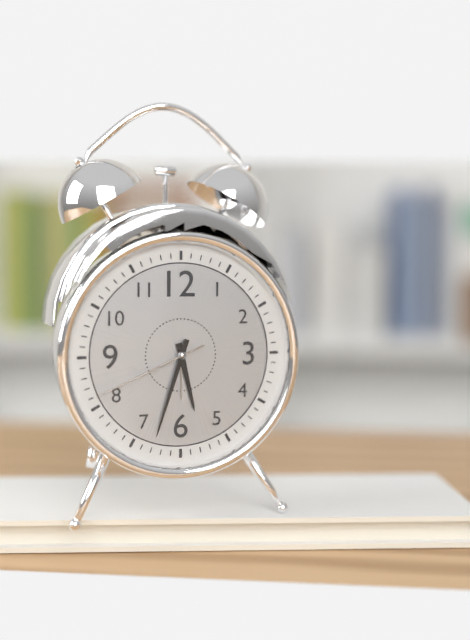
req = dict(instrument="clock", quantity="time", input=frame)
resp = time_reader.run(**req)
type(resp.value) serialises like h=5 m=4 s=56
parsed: h=5 m=33 s=41
